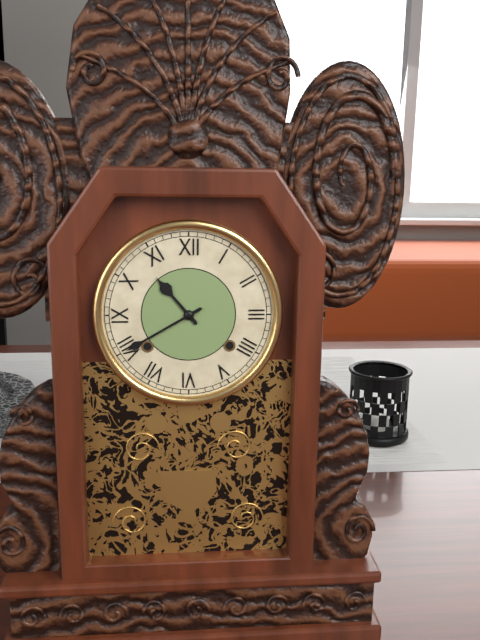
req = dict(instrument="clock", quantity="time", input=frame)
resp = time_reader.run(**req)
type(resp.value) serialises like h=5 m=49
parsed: h=10 m=40
